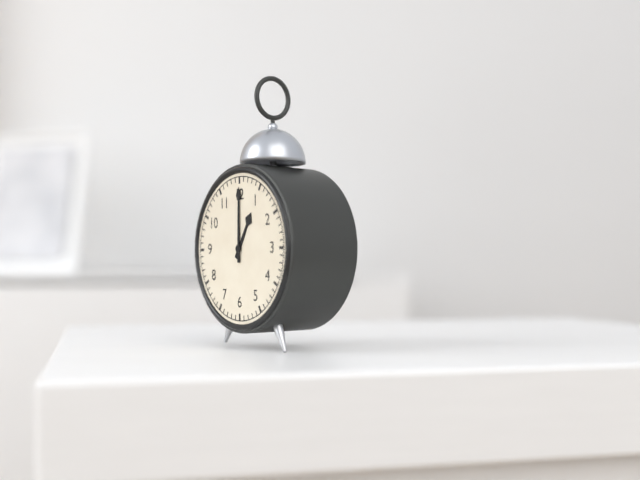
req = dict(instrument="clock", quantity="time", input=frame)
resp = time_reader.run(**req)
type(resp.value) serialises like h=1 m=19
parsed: h=1 m=0
